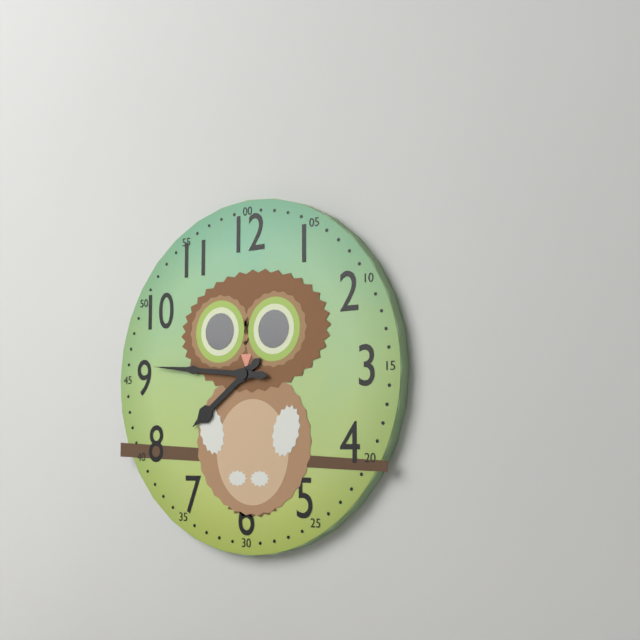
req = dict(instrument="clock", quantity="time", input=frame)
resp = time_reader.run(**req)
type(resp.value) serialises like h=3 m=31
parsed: h=7 m=46
